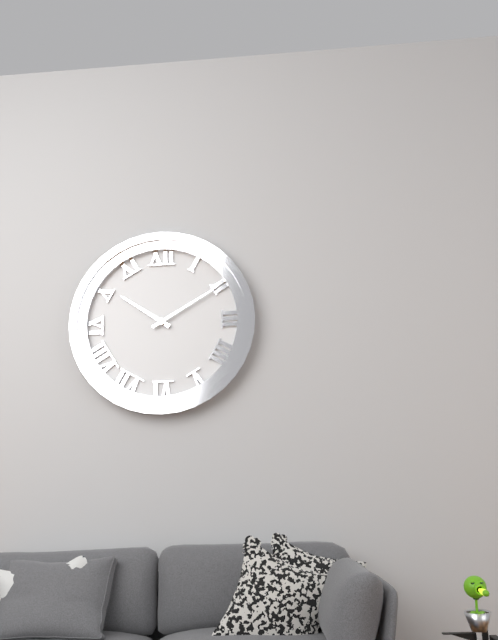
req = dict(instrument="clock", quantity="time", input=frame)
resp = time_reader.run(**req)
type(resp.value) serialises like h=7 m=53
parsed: h=10 m=10
